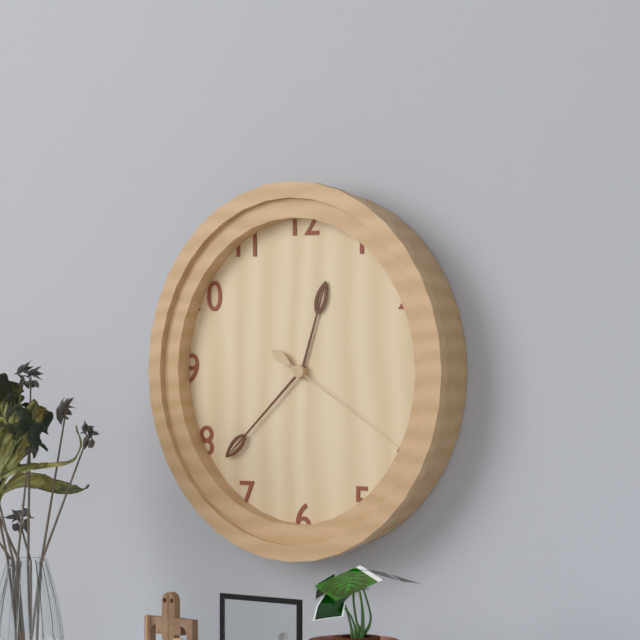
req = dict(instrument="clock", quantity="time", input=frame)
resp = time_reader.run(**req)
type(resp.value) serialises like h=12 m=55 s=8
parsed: h=12 m=38 s=20
